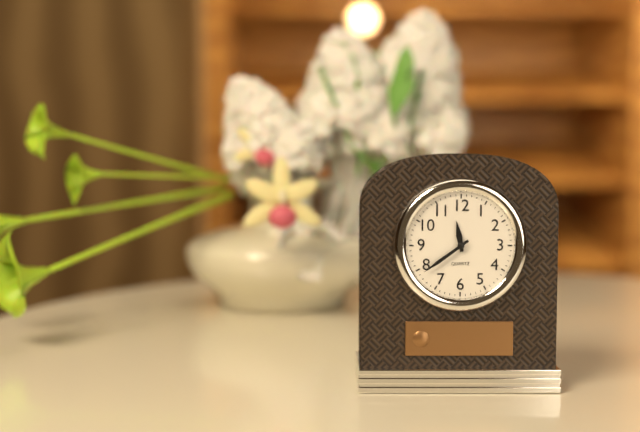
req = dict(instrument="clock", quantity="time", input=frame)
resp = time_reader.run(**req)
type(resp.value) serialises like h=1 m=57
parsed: h=11 m=39
